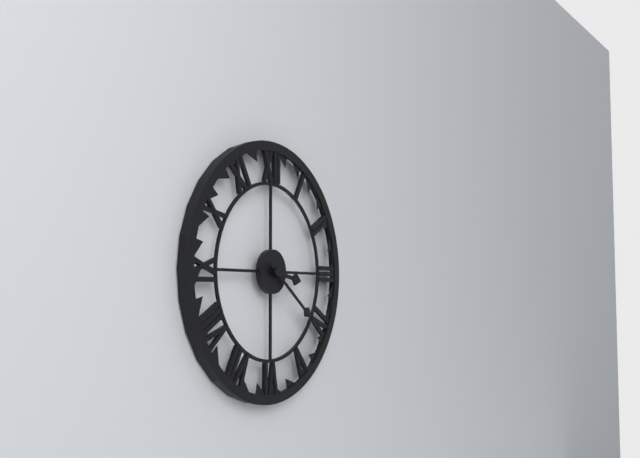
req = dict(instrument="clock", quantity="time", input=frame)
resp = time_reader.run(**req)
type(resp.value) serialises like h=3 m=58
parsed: h=3 m=21
